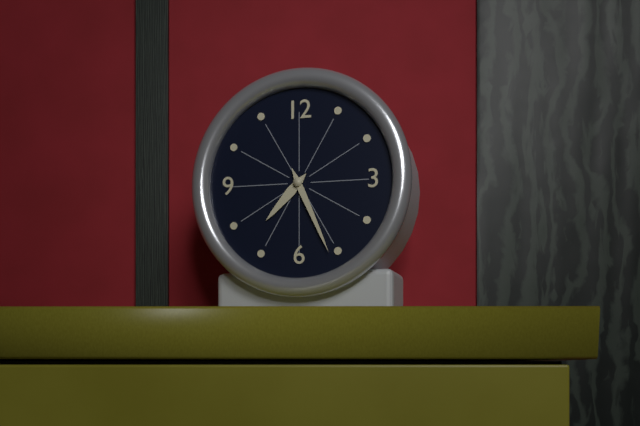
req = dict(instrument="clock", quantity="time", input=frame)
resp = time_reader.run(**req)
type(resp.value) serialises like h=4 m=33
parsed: h=7 m=26
